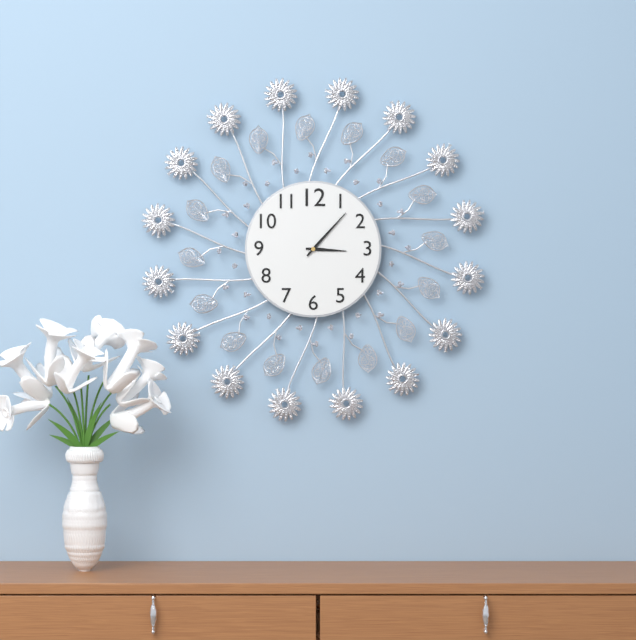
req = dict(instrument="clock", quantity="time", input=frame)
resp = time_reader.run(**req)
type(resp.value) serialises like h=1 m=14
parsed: h=3 m=7
